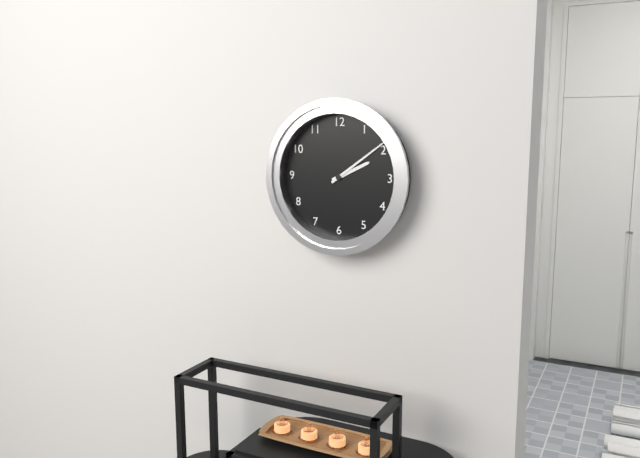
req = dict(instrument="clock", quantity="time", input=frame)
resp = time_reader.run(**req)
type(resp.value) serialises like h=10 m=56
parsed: h=2 m=9
